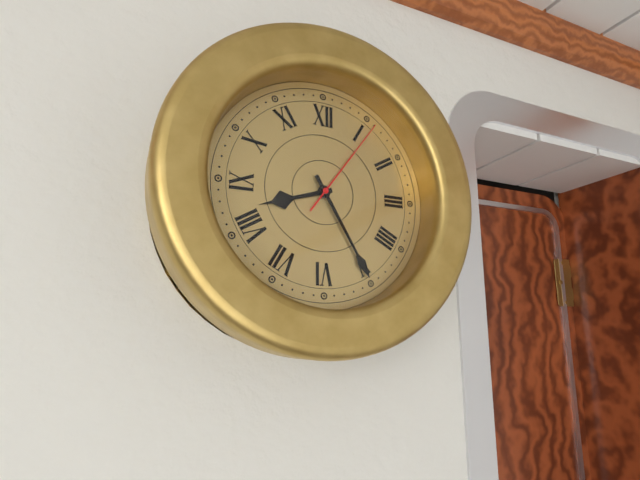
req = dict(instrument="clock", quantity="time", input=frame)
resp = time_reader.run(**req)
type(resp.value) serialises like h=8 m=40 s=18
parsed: h=8 m=25 s=6
